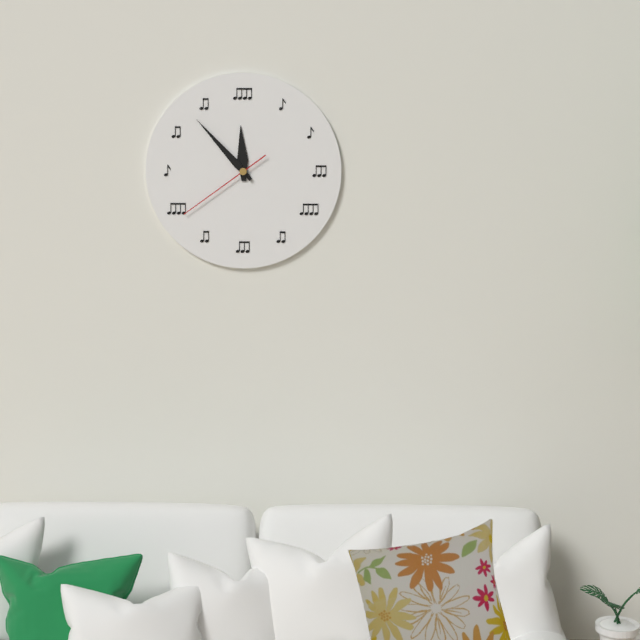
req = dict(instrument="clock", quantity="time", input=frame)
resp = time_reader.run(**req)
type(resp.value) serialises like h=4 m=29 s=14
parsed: h=11 m=53 s=39
